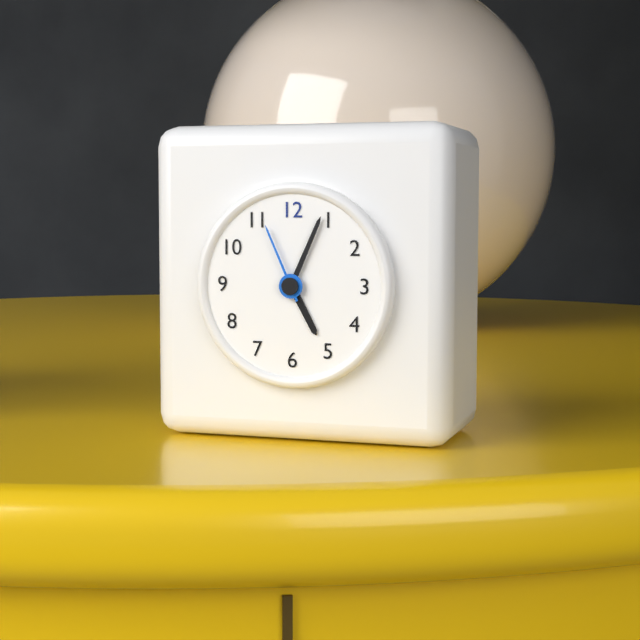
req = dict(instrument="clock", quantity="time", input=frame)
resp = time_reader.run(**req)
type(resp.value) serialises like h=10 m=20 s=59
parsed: h=5 m=4 s=56
